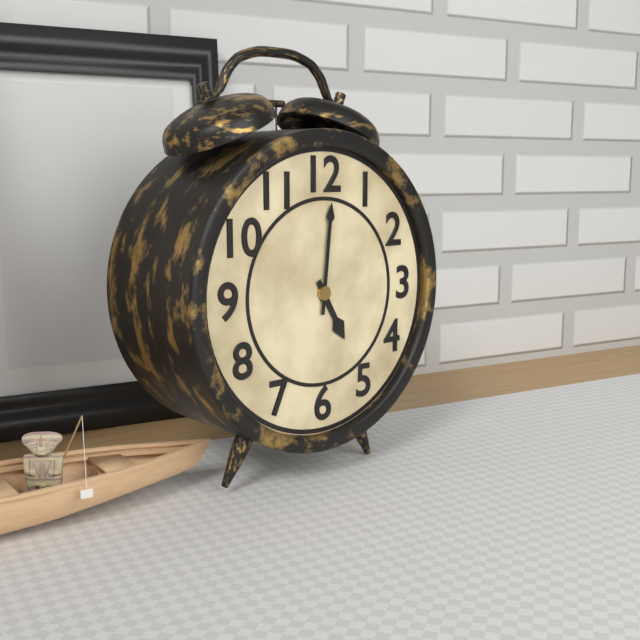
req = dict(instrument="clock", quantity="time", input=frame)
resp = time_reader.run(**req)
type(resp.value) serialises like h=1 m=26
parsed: h=5 m=1
